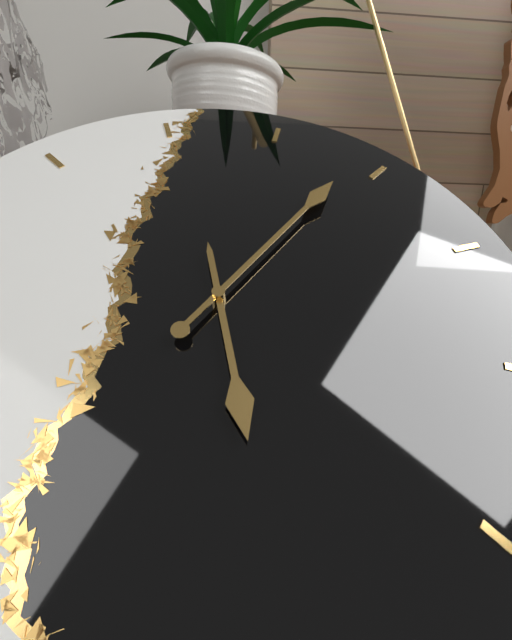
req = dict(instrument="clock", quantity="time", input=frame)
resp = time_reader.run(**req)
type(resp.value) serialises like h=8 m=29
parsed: h=6 m=9
